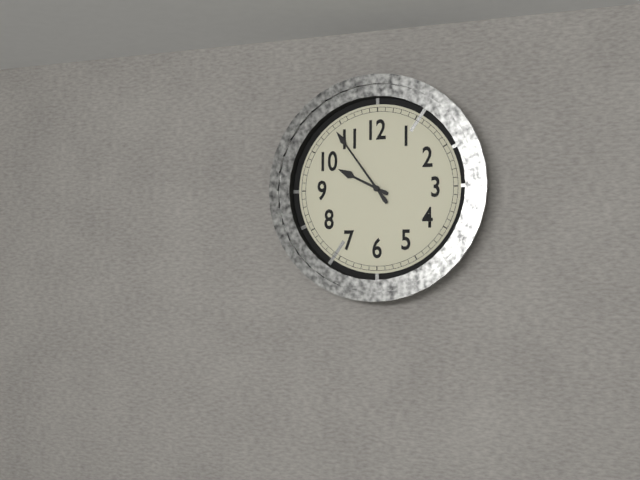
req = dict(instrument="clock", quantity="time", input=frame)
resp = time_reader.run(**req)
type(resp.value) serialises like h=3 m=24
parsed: h=9 m=54
